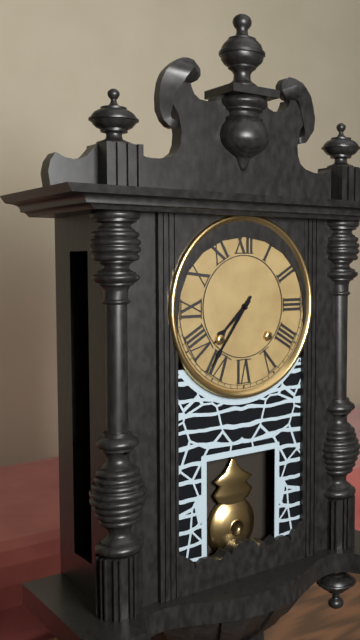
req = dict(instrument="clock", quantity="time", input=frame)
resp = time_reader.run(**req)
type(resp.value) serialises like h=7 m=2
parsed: h=7 m=36
